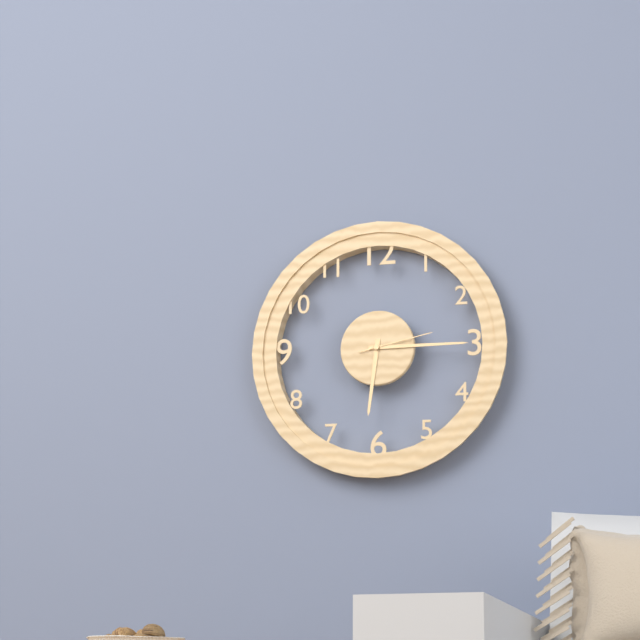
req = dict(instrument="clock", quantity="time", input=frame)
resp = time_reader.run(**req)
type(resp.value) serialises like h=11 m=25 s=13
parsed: h=6 m=15 s=13
